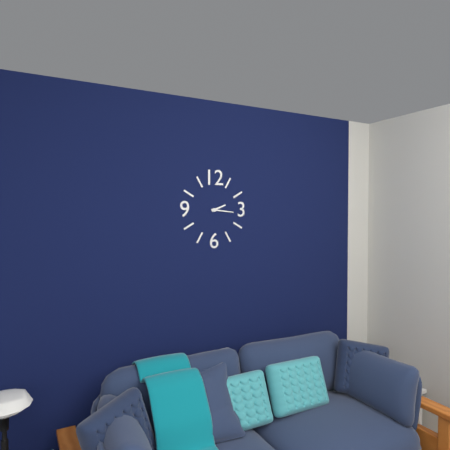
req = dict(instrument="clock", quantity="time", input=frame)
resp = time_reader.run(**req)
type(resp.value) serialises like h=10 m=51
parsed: h=2 m=16
